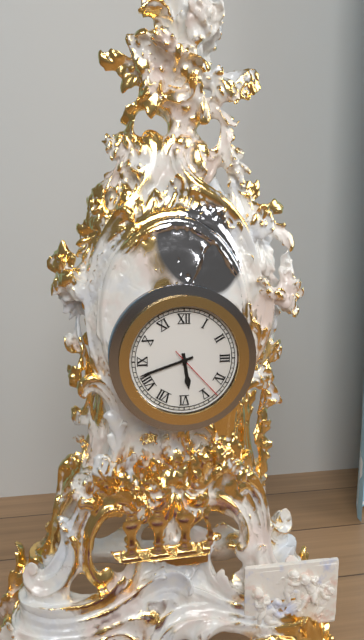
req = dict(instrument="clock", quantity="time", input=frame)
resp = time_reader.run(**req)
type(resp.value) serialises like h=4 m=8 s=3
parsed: h=5 m=42 s=23
